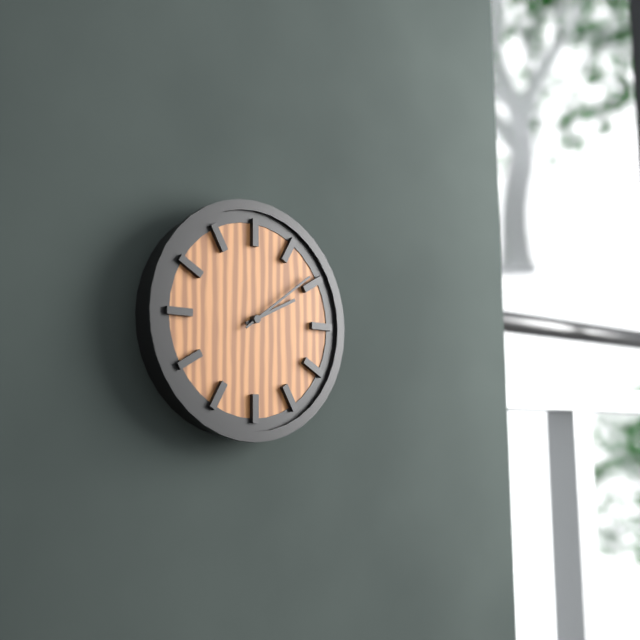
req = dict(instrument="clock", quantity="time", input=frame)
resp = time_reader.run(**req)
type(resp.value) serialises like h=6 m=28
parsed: h=2 m=9
